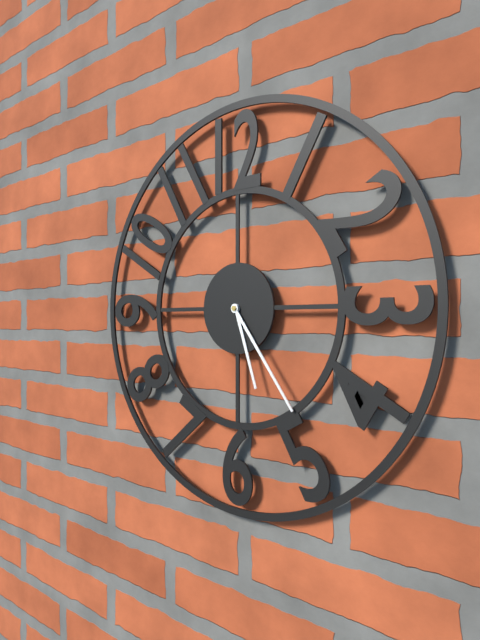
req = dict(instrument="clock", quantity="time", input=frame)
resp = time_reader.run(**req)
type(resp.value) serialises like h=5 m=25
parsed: h=5 m=24
